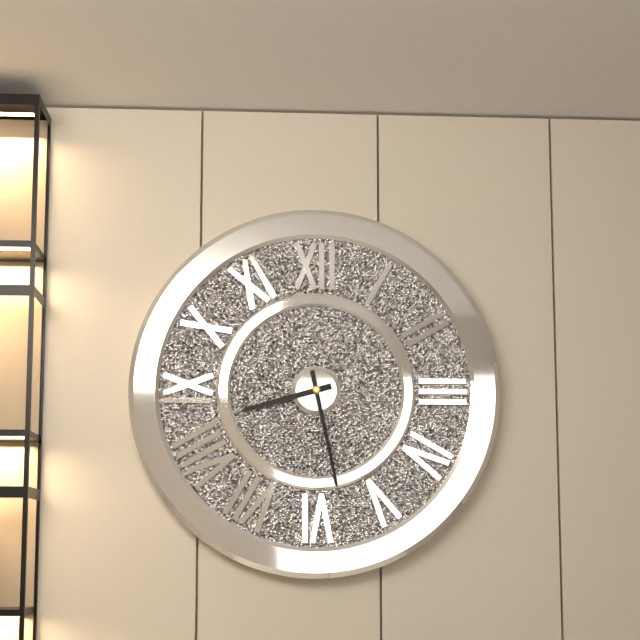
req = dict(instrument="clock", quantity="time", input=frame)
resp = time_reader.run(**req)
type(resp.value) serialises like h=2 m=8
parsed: h=8 m=28
